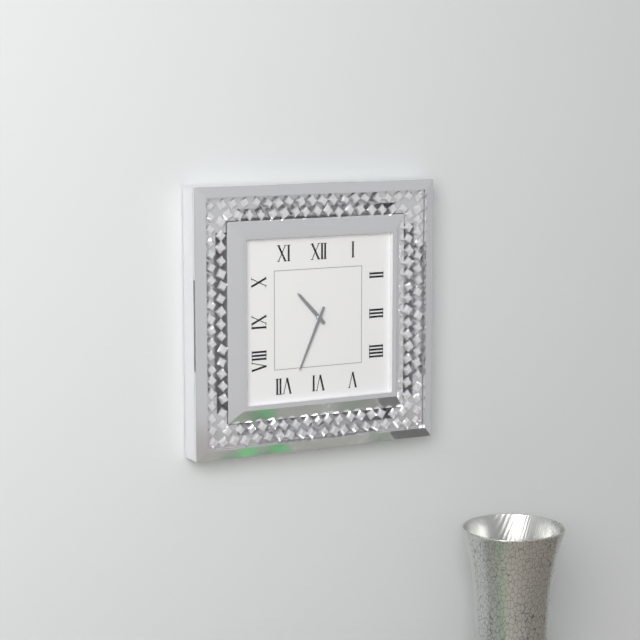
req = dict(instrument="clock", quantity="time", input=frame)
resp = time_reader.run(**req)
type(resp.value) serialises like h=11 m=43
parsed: h=10 m=34
